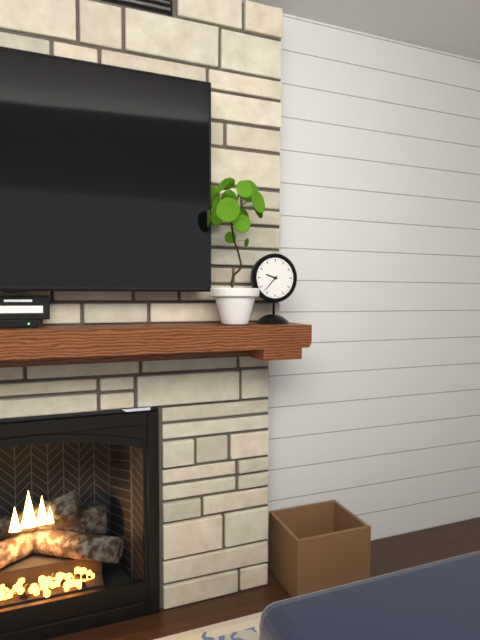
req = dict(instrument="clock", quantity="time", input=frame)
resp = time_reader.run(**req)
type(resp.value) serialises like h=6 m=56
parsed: h=9 m=37
